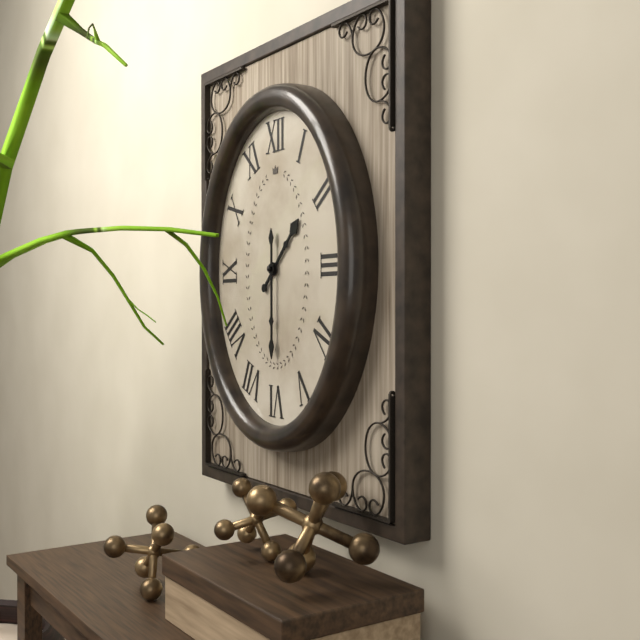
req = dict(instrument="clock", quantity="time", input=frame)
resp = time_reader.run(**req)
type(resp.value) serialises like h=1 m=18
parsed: h=1 m=30
